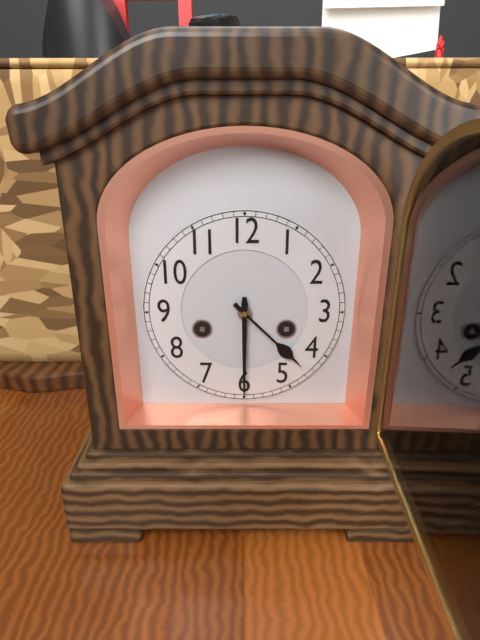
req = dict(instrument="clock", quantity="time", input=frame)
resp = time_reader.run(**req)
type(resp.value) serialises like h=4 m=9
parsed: h=4 m=30
